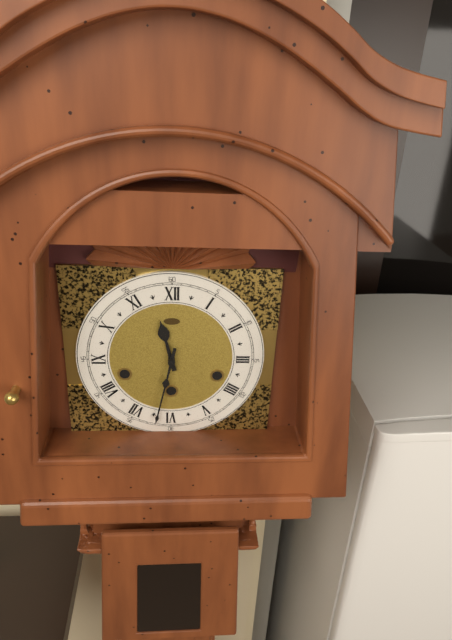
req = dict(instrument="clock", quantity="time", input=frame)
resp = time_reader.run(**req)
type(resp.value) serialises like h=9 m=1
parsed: h=11 m=32
